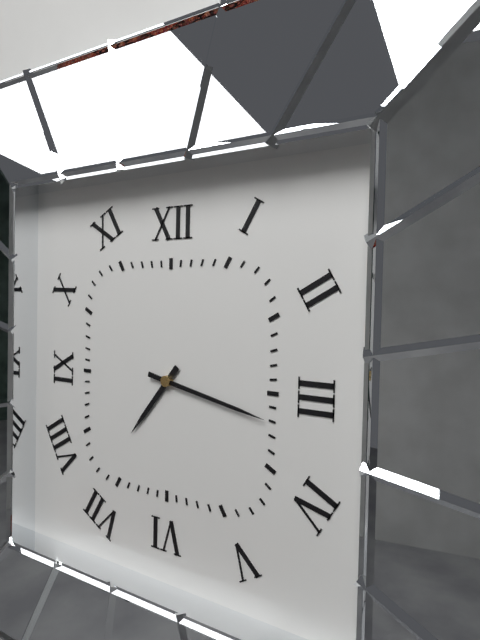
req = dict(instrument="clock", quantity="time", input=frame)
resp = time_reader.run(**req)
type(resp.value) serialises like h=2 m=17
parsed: h=7 m=17
